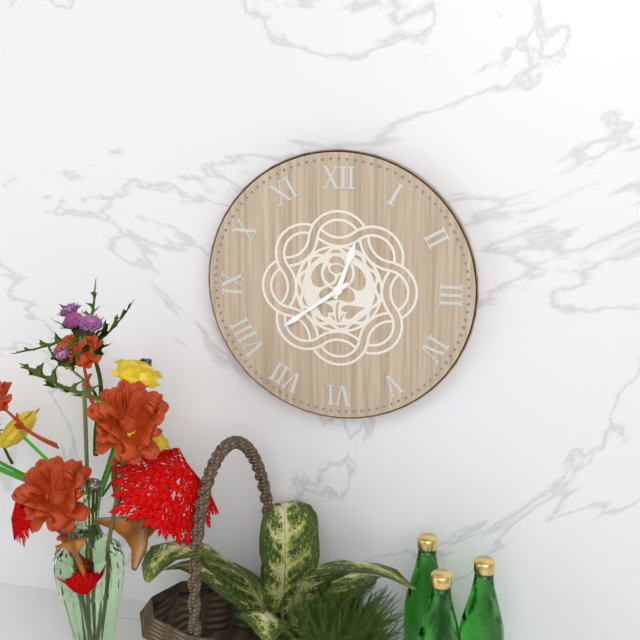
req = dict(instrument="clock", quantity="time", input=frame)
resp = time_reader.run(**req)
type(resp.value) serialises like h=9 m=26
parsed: h=12 m=39
